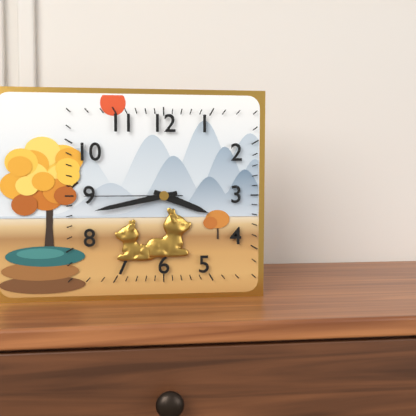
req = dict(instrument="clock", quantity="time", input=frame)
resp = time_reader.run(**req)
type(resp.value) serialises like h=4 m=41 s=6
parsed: h=3 m=43 s=45
